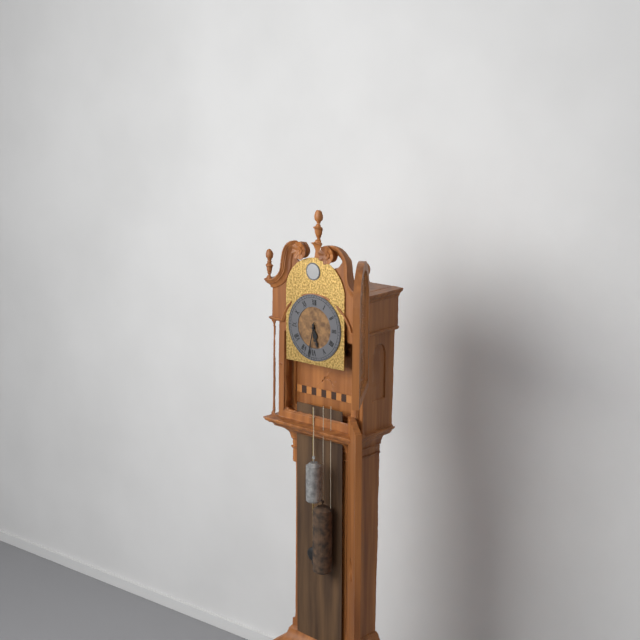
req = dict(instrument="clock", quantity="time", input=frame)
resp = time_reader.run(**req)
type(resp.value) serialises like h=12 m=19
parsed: h=5 m=32
